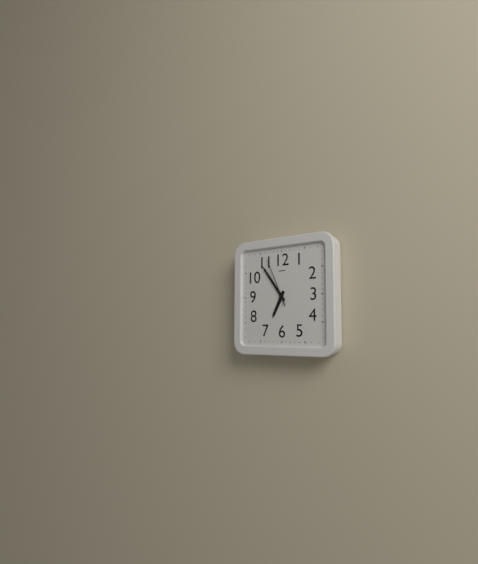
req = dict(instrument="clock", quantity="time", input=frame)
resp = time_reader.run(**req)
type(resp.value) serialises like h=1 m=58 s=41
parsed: h=6 m=54 s=56
